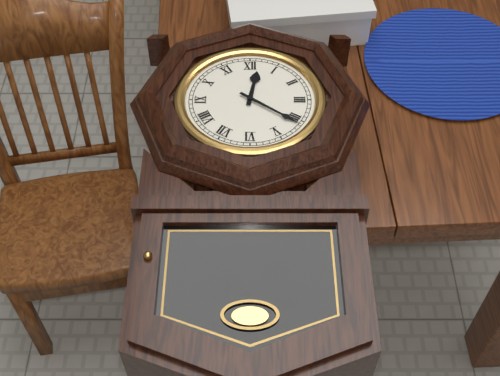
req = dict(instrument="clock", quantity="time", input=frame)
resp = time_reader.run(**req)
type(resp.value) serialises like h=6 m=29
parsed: h=12 m=21
